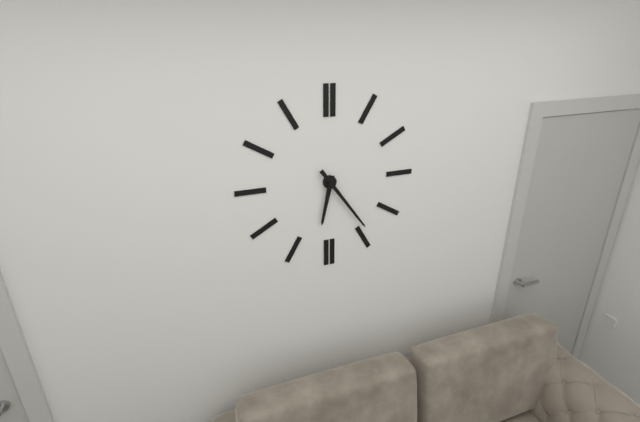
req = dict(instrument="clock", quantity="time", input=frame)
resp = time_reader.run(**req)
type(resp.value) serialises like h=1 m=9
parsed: h=6 m=24
